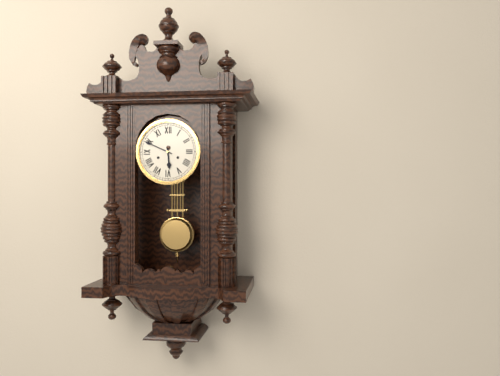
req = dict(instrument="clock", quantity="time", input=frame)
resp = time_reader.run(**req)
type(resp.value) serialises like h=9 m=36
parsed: h=5 m=49
